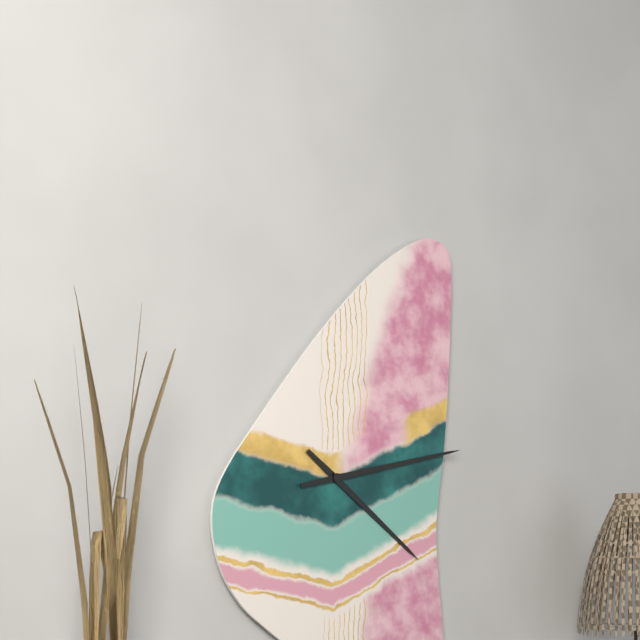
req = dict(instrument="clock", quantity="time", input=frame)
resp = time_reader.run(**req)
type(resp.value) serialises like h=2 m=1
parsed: h=4 m=13
